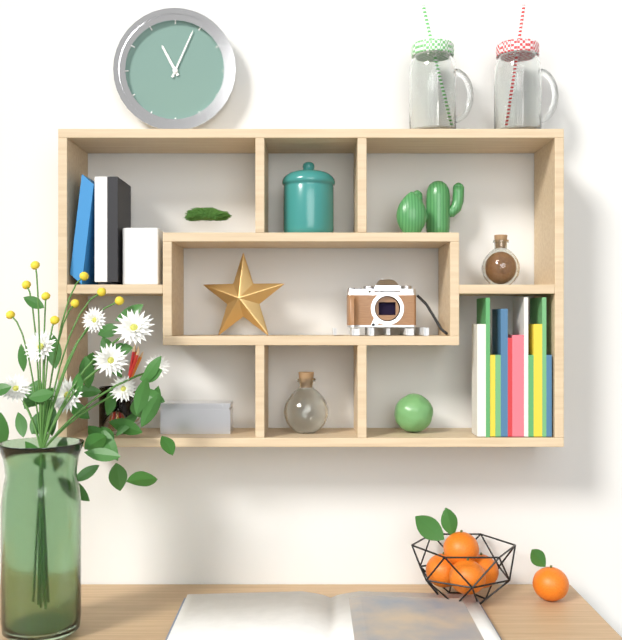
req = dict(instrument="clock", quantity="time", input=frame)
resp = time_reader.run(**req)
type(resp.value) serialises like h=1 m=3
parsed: h=11 m=4
